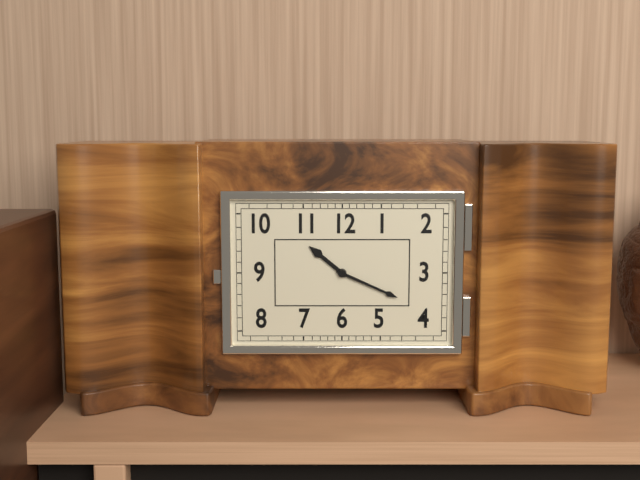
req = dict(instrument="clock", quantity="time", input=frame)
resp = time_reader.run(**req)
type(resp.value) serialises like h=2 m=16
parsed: h=10 m=19
